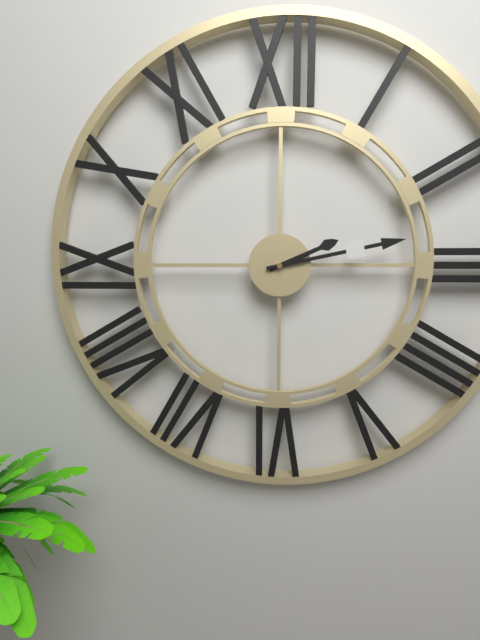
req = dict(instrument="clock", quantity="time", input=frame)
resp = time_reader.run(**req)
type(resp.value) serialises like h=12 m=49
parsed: h=2 m=13
